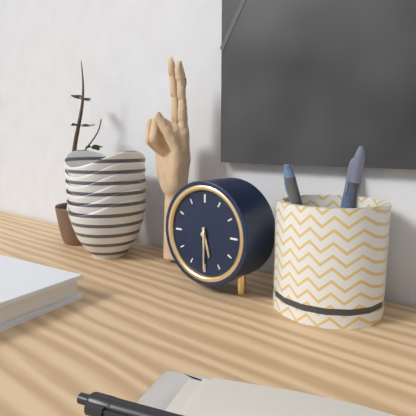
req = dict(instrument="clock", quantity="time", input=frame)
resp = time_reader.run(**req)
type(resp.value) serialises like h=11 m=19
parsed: h=5 m=30
